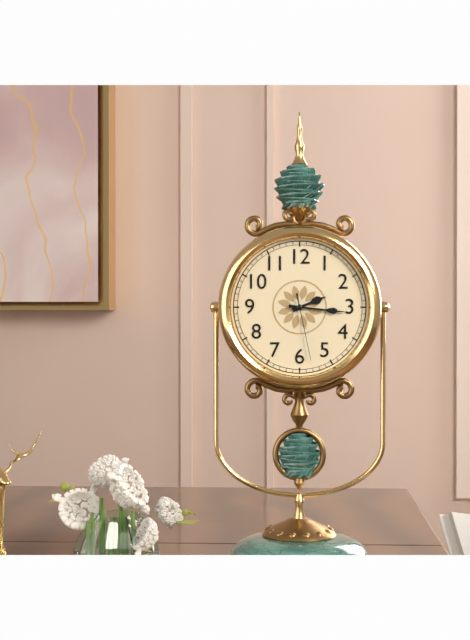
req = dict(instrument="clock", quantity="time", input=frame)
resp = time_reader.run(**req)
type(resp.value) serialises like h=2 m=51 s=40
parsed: h=2 m=16 s=28
